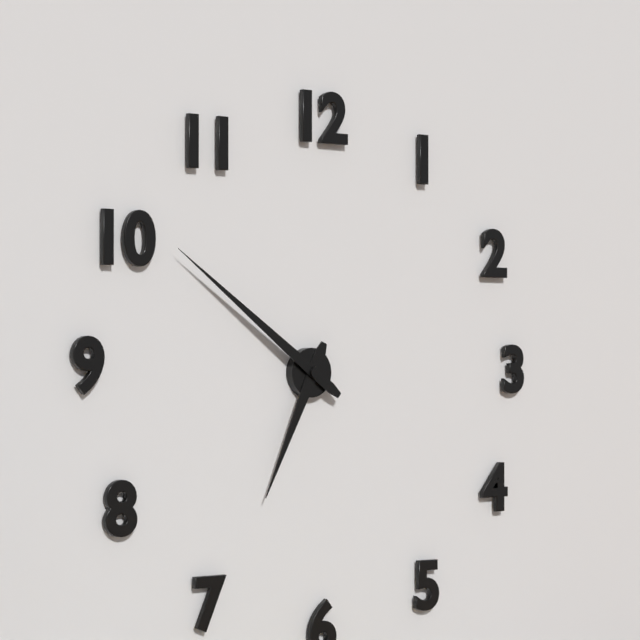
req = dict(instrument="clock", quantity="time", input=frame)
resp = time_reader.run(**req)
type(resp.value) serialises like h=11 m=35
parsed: h=6 m=51
